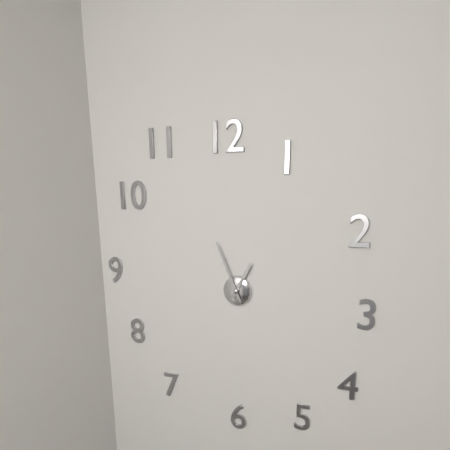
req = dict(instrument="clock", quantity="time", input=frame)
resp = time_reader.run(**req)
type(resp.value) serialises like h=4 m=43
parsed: h=12 m=56
